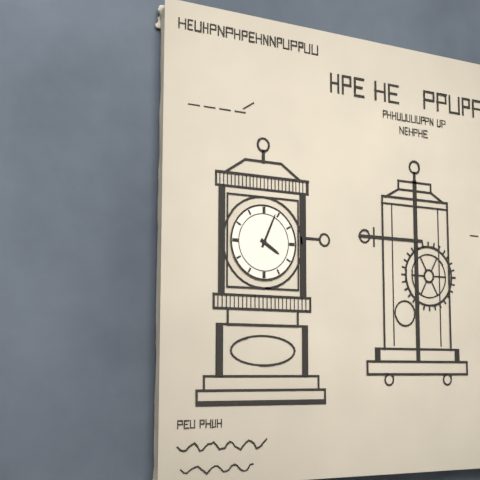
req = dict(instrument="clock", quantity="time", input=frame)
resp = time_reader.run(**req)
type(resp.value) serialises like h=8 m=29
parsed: h=4 m=4
